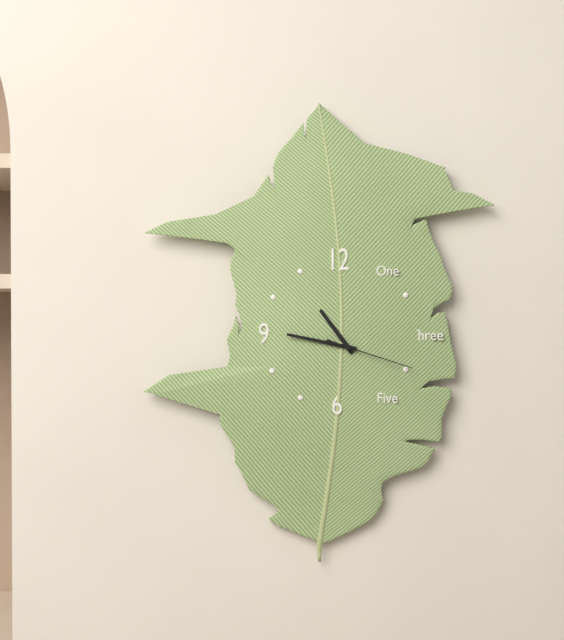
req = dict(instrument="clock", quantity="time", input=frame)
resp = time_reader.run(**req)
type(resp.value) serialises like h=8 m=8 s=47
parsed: h=10 m=47 s=18
